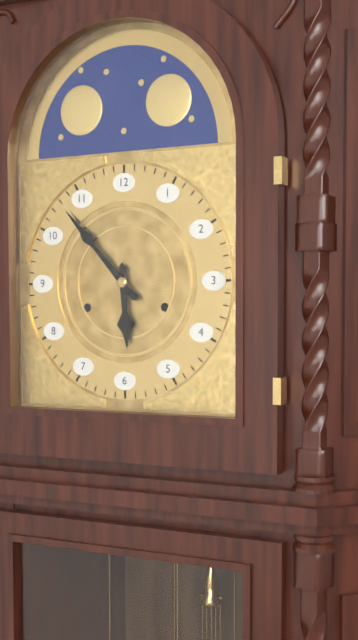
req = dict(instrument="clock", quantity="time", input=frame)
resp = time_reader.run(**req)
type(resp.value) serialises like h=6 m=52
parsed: h=5 m=53
